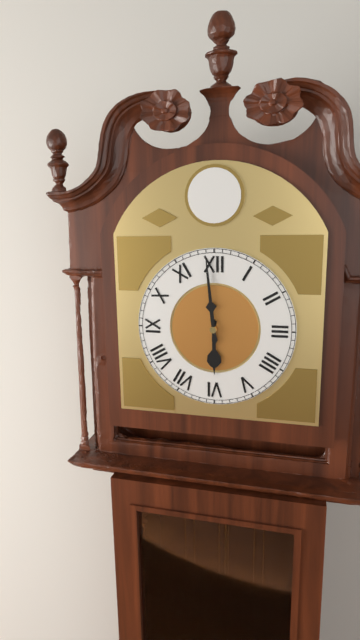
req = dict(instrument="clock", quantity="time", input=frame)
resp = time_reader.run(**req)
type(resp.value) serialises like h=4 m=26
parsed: h=5 m=59
